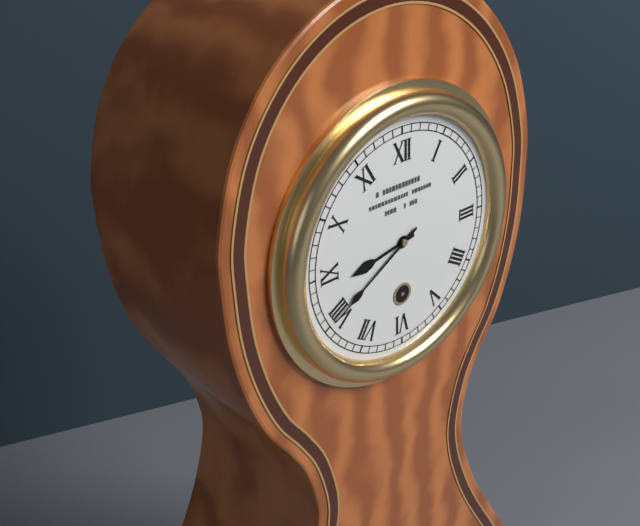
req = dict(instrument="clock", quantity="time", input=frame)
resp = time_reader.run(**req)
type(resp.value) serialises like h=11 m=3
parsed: h=8 m=40
